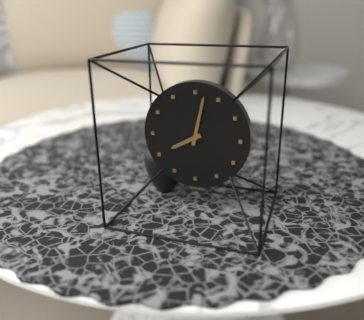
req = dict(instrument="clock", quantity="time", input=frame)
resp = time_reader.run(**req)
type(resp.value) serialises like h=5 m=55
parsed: h=8 m=2
